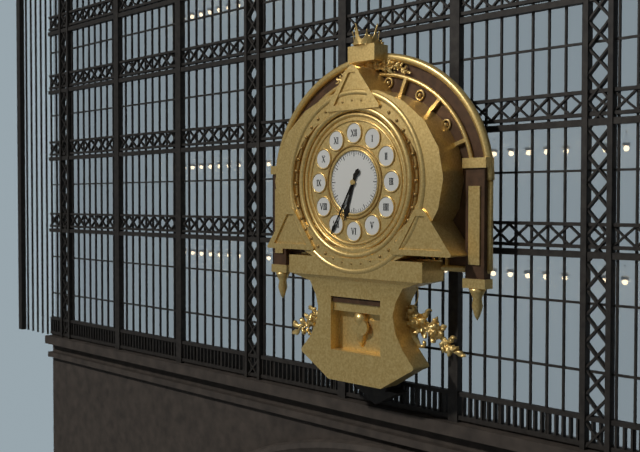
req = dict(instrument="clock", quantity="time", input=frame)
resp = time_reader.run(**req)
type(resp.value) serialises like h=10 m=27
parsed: h=6 m=35
